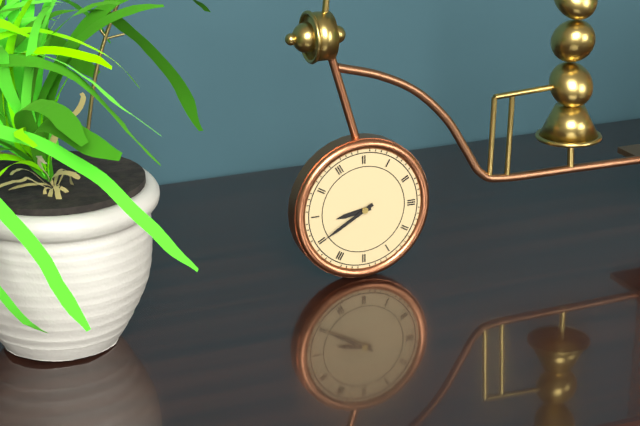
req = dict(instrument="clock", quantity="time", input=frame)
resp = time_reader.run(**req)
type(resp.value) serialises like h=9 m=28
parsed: h=8 m=40
